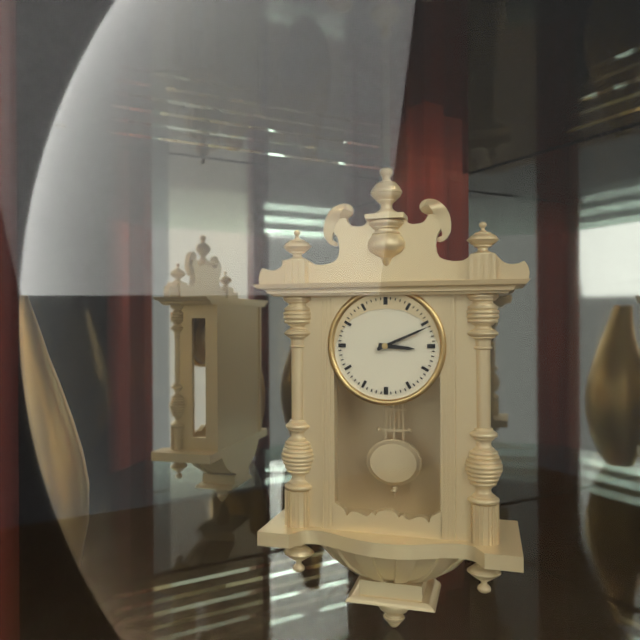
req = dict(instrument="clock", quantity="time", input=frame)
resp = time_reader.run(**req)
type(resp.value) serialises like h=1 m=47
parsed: h=3 m=11
